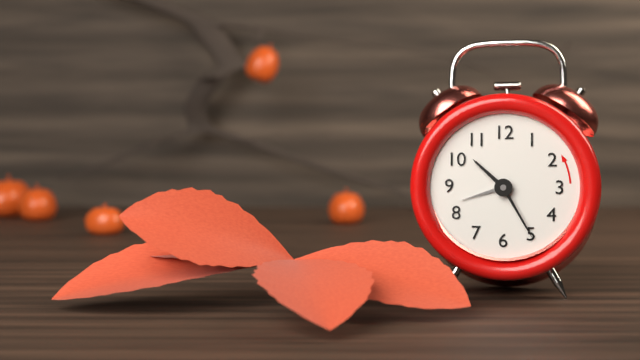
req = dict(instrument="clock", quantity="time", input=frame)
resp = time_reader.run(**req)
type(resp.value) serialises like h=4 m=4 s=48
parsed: h=10 m=25 s=42
